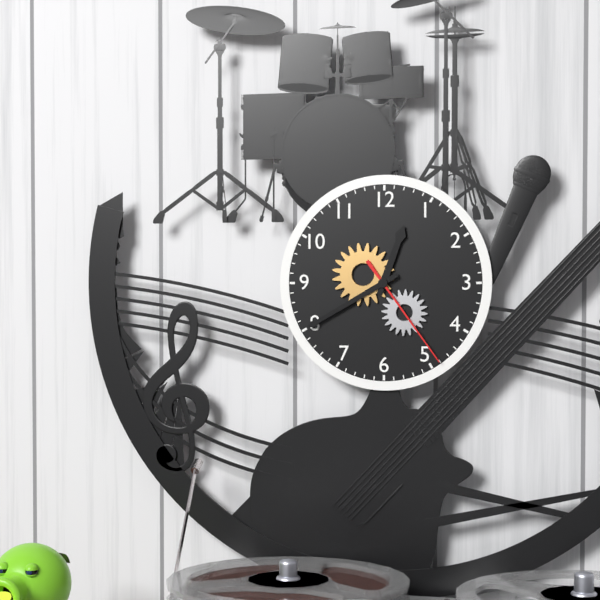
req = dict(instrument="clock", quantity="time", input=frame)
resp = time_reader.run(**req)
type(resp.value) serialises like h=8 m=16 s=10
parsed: h=12 m=40 s=24
